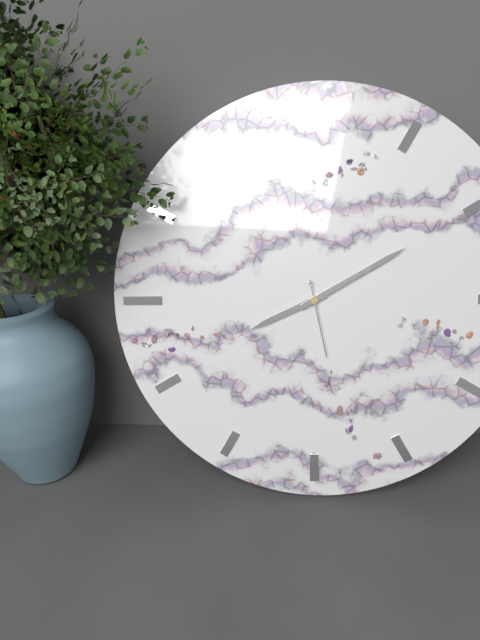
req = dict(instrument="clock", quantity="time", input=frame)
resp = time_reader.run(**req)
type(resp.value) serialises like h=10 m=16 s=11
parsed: h=8 m=10 s=28
